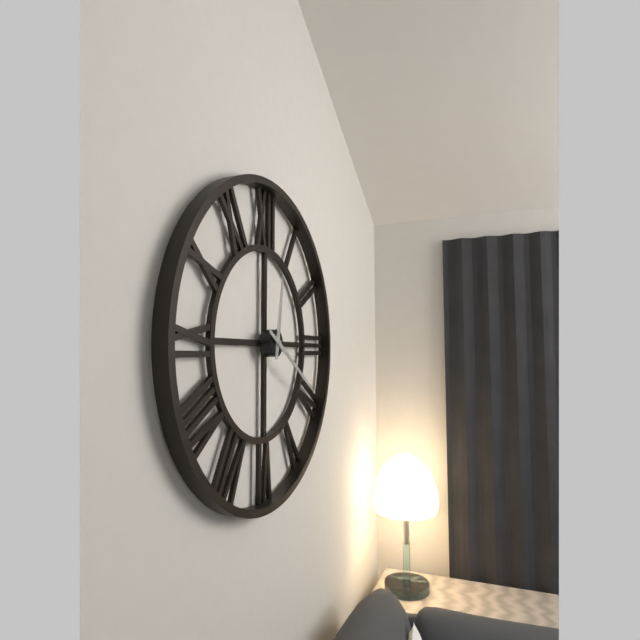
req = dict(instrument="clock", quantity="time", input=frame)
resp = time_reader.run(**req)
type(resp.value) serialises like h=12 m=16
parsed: h=12 m=20
